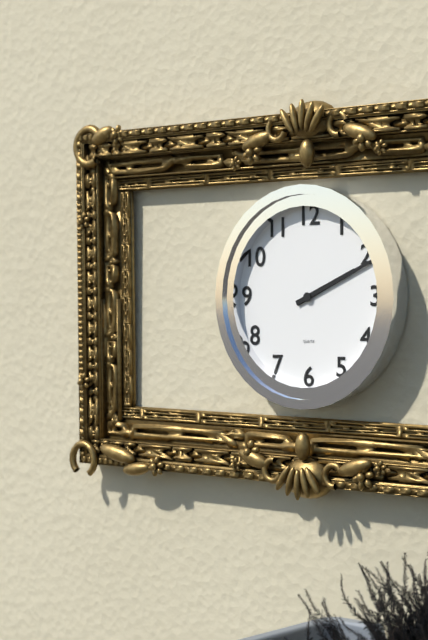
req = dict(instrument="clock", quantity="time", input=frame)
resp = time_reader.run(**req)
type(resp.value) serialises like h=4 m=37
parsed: h=2 m=11
